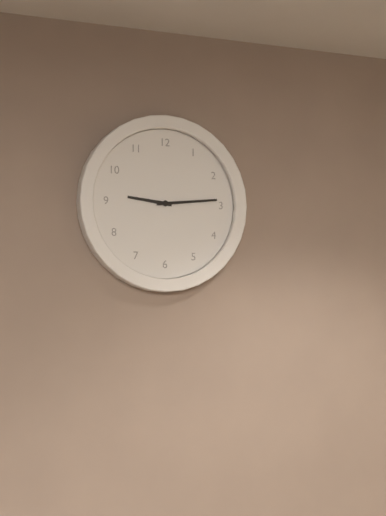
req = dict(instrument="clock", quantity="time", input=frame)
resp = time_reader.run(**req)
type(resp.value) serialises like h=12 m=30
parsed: h=9 m=14
